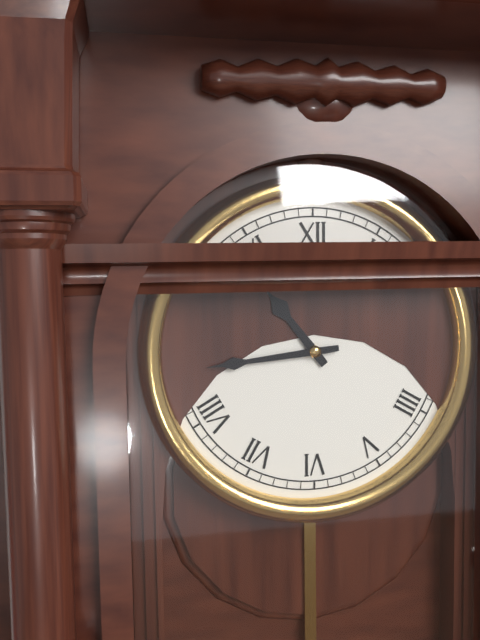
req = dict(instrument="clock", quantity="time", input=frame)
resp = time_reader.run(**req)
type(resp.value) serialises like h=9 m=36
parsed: h=10 m=44
